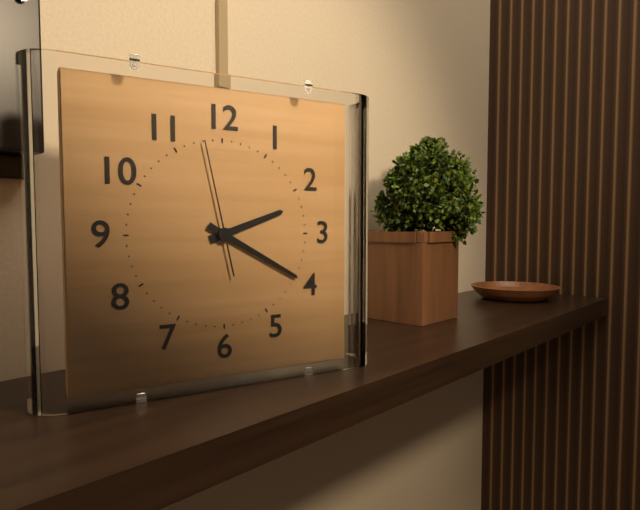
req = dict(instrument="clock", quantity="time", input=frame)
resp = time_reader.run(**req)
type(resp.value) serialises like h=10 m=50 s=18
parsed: h=2 m=20 s=58
